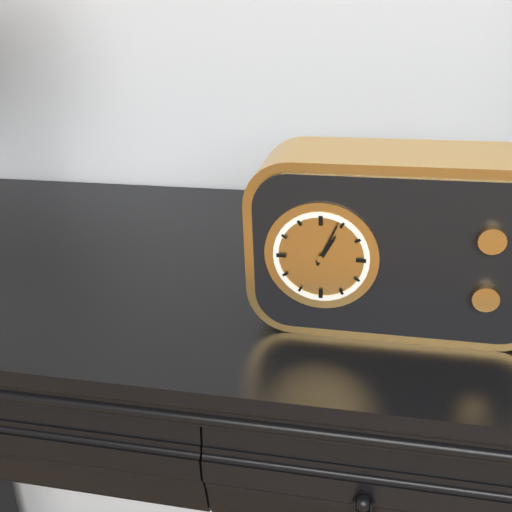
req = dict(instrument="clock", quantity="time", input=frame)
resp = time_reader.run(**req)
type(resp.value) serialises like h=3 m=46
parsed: h=1 m=4
